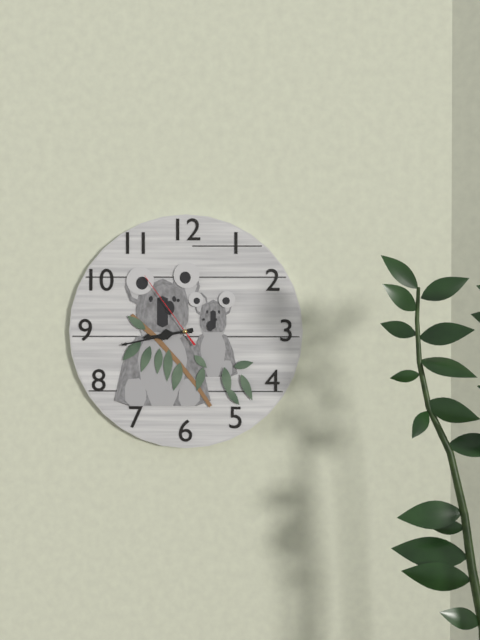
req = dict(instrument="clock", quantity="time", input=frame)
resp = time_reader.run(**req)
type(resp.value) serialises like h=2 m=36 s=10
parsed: h=8 m=43 s=54
